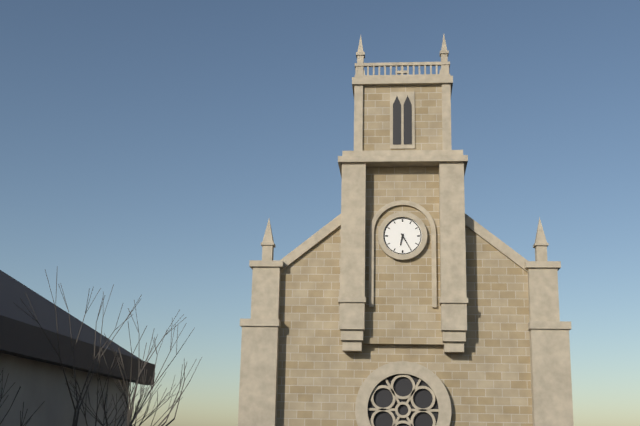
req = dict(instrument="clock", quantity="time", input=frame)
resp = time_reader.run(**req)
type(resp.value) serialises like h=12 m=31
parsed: h=6 m=25
